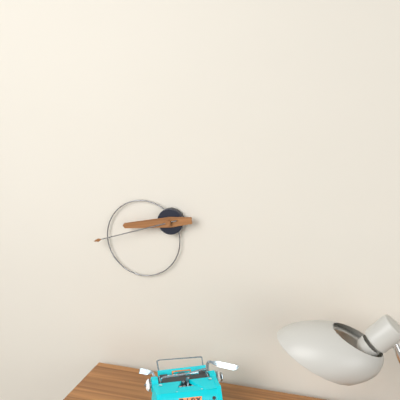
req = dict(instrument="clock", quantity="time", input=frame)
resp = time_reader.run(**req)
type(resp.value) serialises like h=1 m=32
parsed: h=8 m=42
